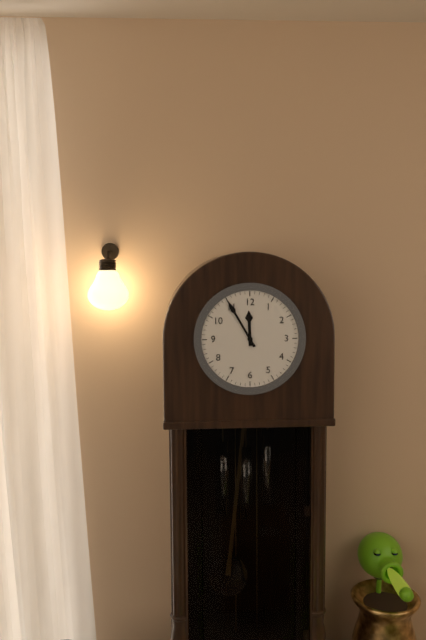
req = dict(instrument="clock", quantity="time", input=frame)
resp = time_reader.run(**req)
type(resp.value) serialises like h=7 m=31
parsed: h=11 m=55
